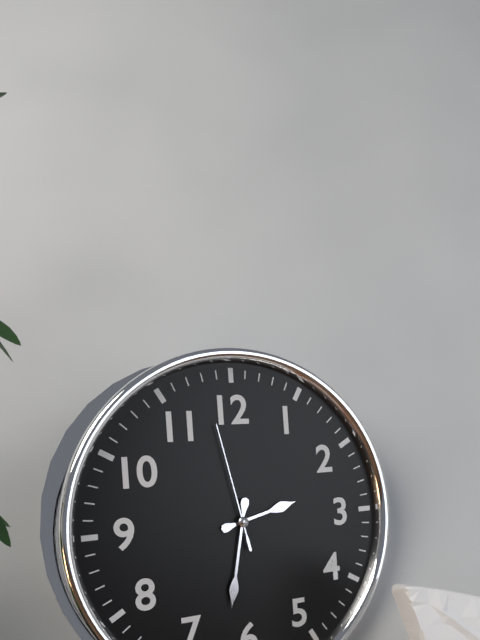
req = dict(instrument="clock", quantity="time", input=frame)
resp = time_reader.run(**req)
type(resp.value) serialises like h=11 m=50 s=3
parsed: h=2 m=32 s=58
